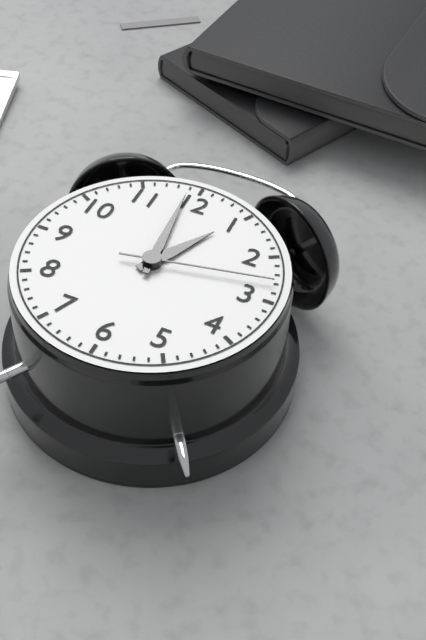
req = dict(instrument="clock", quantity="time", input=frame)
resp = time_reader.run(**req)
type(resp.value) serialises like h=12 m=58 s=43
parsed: h=12 m=59 s=13
